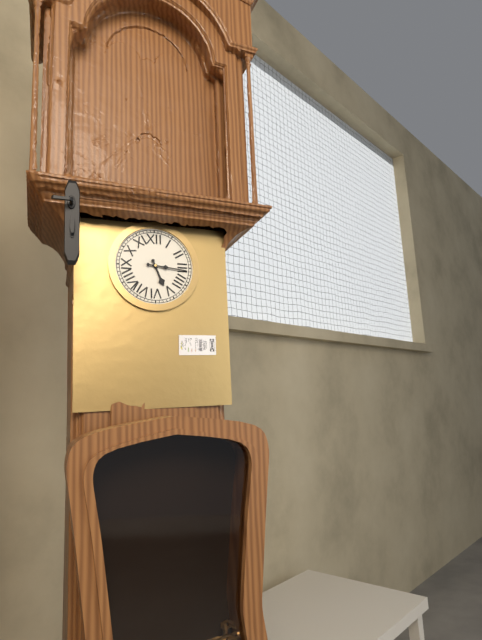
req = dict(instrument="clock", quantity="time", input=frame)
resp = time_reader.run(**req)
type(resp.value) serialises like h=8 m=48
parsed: h=5 m=16
